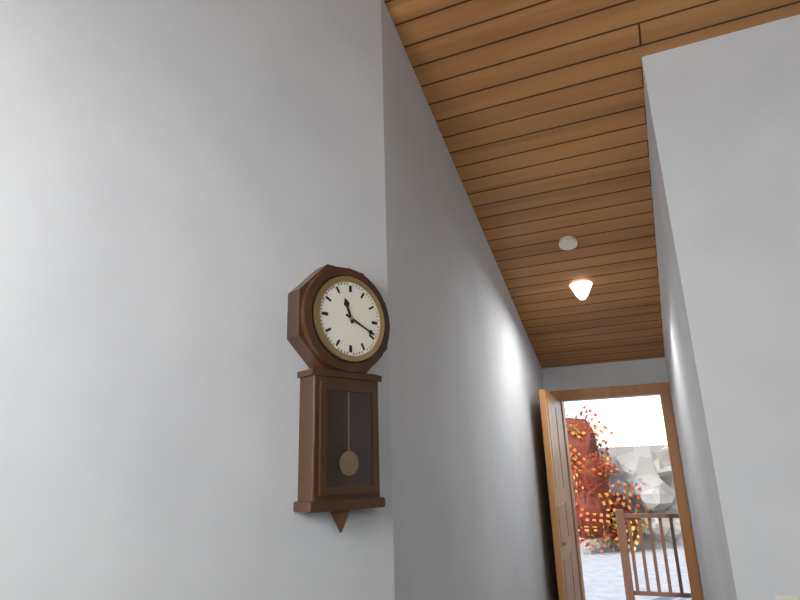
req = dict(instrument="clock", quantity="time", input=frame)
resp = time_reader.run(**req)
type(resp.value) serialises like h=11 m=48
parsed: h=11 m=19
